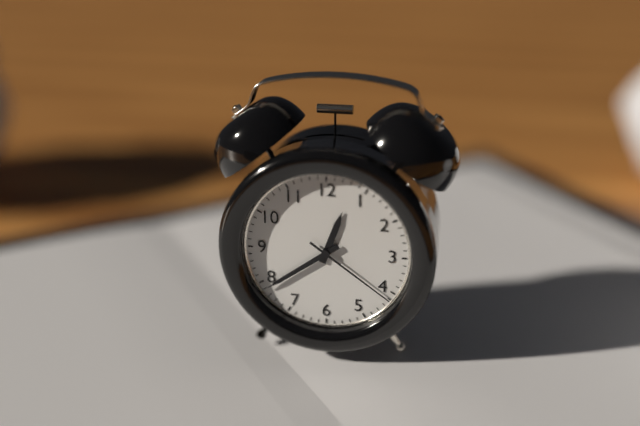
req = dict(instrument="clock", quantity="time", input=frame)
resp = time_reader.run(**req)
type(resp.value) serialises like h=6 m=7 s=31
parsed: h=12 m=39 s=21
